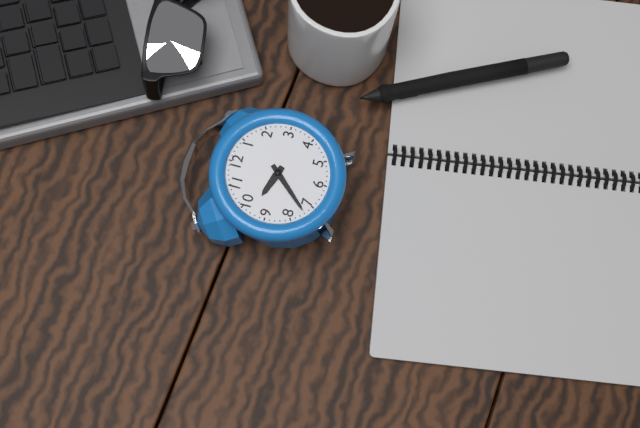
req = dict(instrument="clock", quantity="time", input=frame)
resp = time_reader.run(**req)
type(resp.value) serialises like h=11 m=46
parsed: h=9 m=37
